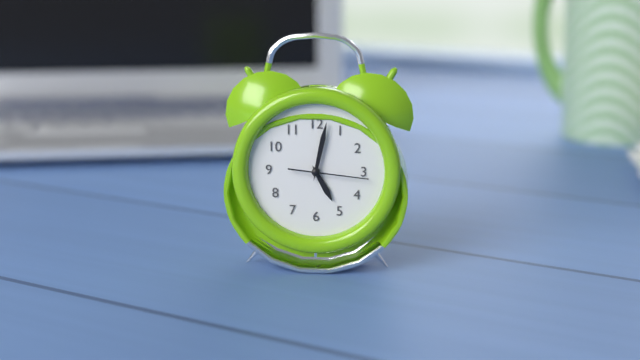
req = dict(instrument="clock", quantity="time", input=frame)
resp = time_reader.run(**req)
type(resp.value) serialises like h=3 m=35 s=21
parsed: h=5 m=2 s=16
